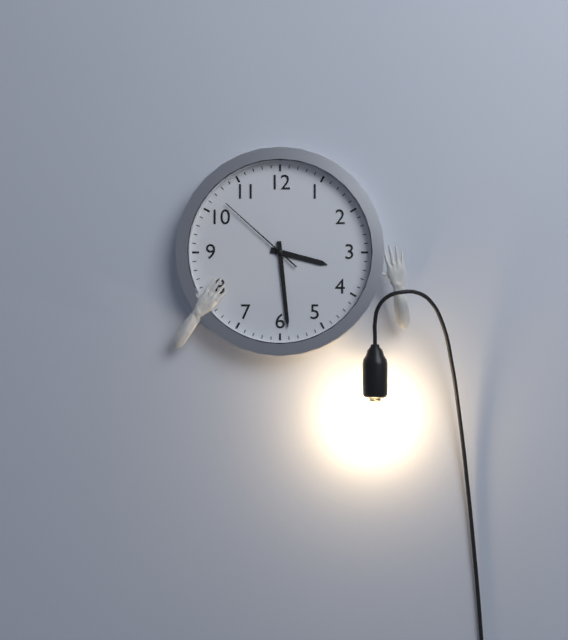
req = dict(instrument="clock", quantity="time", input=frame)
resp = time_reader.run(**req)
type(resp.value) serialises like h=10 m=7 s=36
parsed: h=3 m=29 s=52
